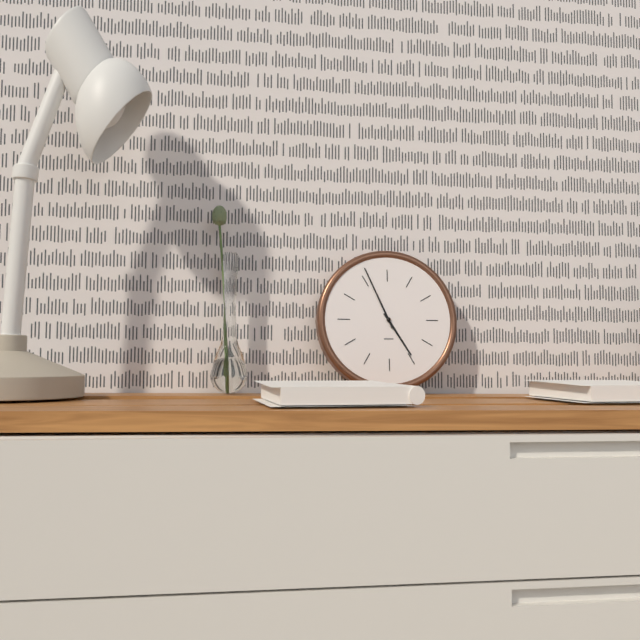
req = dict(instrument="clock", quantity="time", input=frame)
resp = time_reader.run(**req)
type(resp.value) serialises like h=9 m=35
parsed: h=4 m=56
